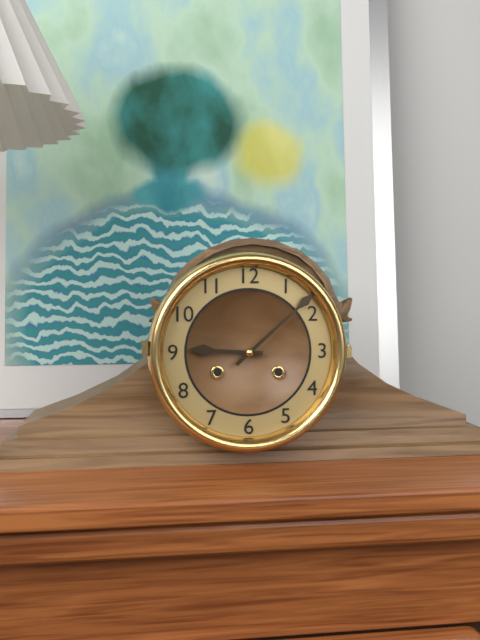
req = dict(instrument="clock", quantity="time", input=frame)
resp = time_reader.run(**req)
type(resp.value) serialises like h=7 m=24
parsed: h=9 m=8
